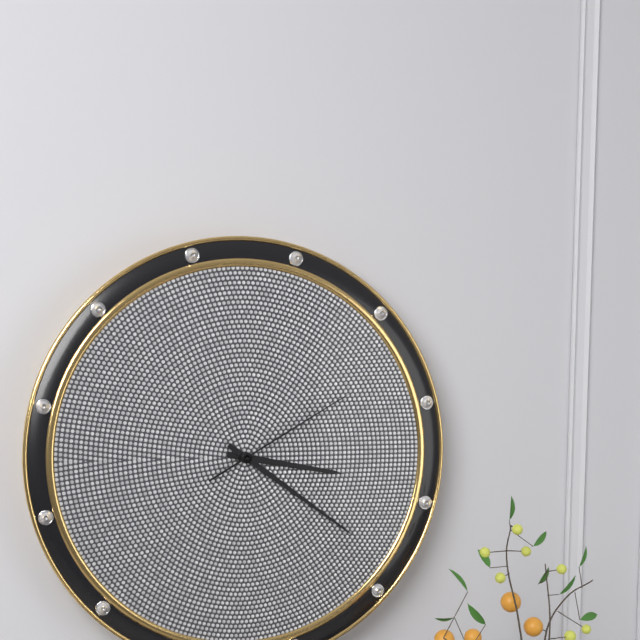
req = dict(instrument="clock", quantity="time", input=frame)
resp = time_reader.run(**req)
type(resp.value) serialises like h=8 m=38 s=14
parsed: h=3 m=21 s=10
